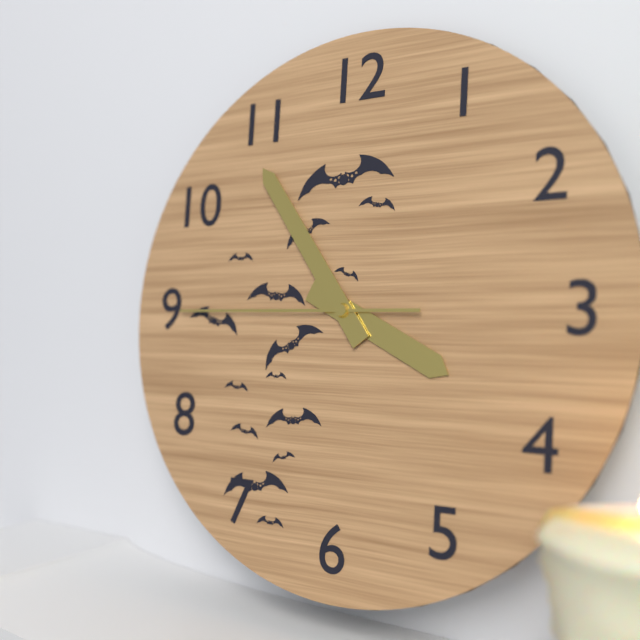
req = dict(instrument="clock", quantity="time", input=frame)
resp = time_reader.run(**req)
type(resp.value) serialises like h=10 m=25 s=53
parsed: h=3 m=54 s=45
